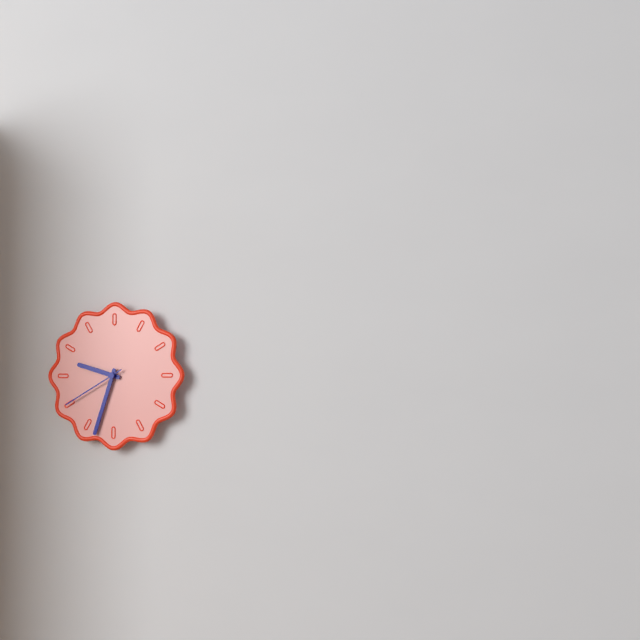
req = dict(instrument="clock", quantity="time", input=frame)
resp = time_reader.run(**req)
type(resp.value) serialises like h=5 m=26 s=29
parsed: h=9 m=33 s=40
